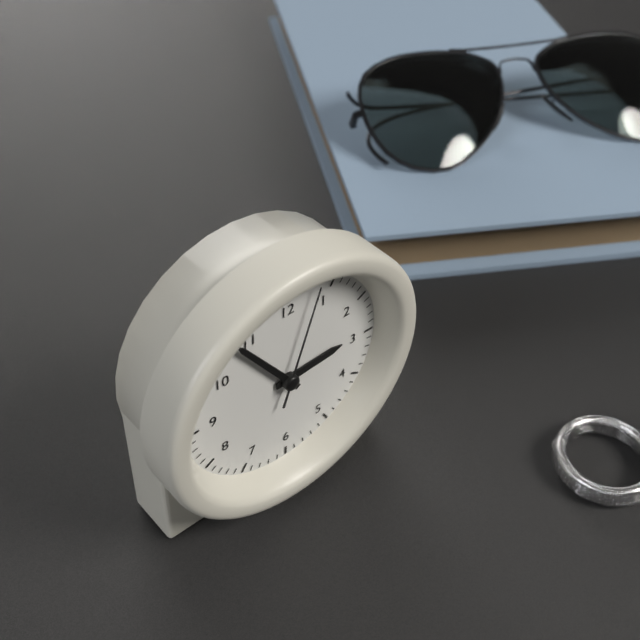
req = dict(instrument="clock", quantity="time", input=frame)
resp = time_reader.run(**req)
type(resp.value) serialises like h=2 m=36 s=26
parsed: h=2 m=54 s=3
